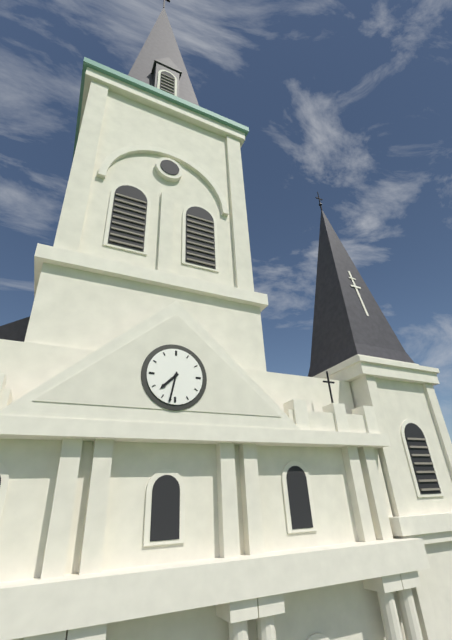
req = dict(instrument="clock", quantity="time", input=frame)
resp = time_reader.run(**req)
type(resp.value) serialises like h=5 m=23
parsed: h=7 m=32
